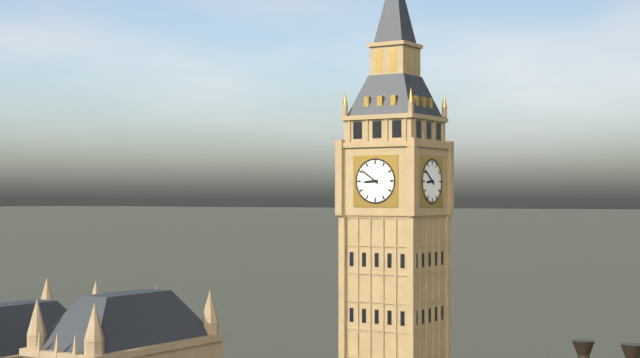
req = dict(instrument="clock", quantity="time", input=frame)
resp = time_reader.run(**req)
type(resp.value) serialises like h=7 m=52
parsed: h=8 m=51
